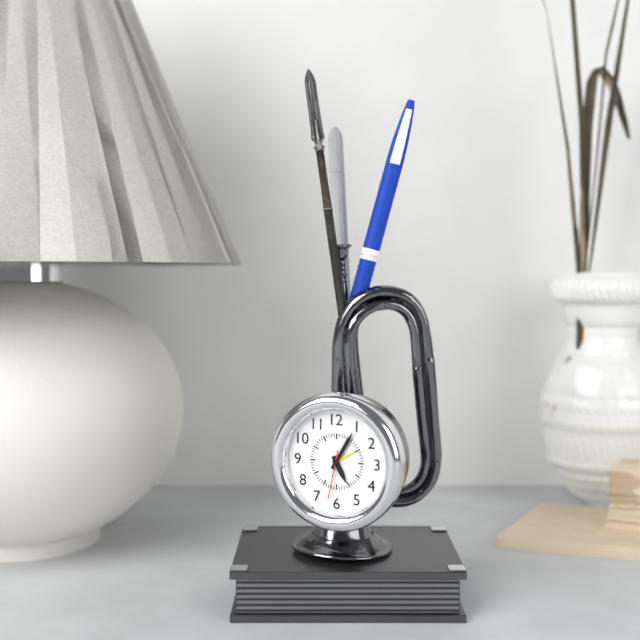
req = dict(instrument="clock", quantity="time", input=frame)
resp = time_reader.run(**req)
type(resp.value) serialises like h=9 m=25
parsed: h=5 m=5
